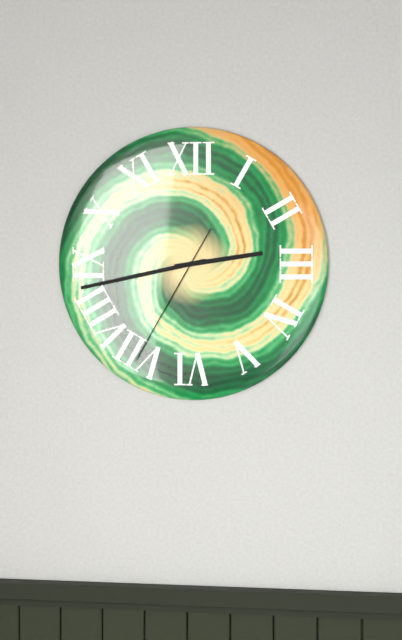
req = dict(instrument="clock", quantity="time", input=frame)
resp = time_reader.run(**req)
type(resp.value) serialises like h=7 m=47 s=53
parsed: h=2 m=43 s=35
